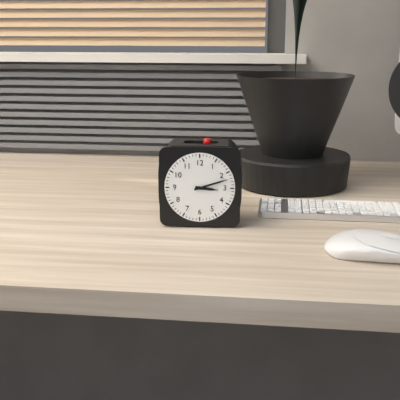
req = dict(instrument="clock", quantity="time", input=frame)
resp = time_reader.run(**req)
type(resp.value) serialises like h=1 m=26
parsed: h=3 m=12
